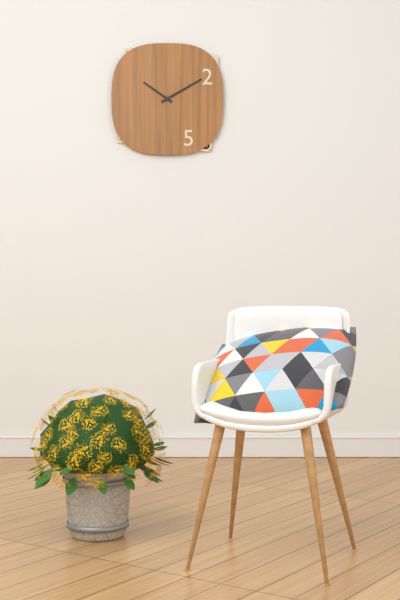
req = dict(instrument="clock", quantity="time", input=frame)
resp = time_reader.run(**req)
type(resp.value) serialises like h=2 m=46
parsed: h=10 m=10
